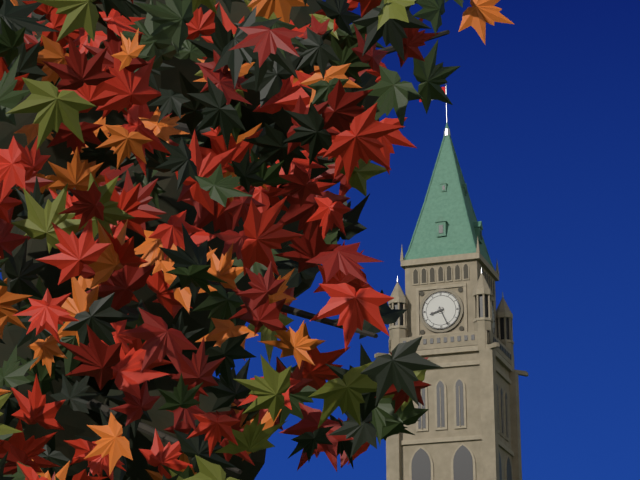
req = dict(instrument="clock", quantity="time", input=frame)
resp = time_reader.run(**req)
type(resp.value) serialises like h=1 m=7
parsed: h=8 m=26
